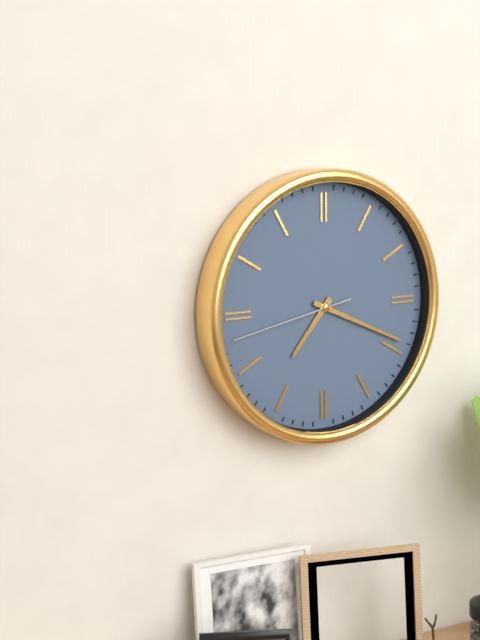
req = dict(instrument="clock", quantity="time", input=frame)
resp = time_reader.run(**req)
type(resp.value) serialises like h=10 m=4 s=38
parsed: h=7 m=19 s=43
